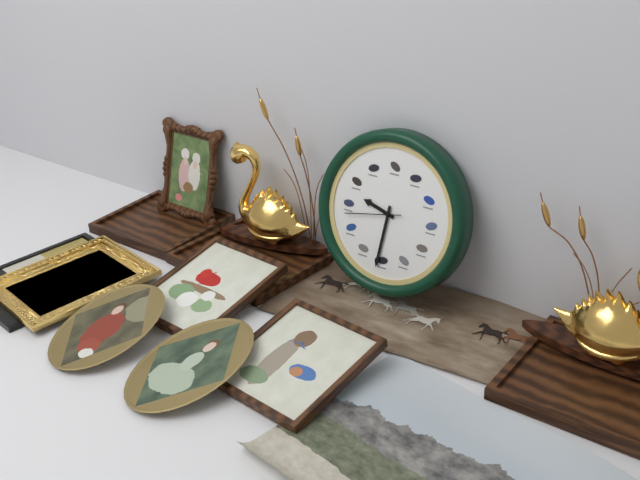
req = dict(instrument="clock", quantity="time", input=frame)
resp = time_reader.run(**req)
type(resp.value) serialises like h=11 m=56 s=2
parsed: h=9 m=31 s=43
